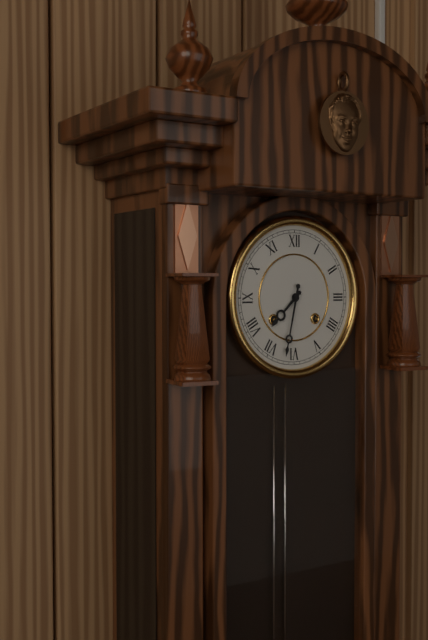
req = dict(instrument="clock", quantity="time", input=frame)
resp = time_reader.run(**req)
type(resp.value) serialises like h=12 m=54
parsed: h=7 m=32
